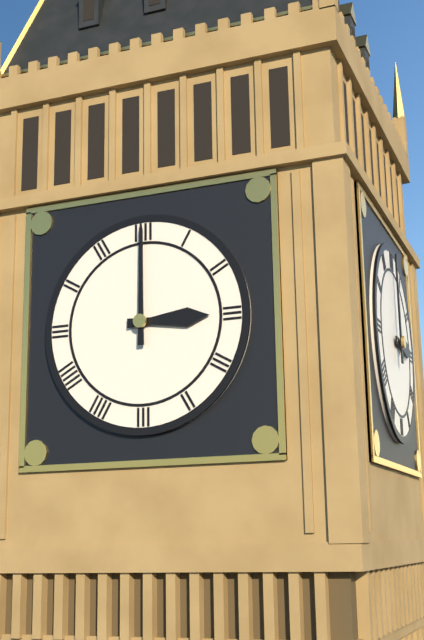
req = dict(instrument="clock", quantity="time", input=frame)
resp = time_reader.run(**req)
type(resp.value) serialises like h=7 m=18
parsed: h=3 m=0
